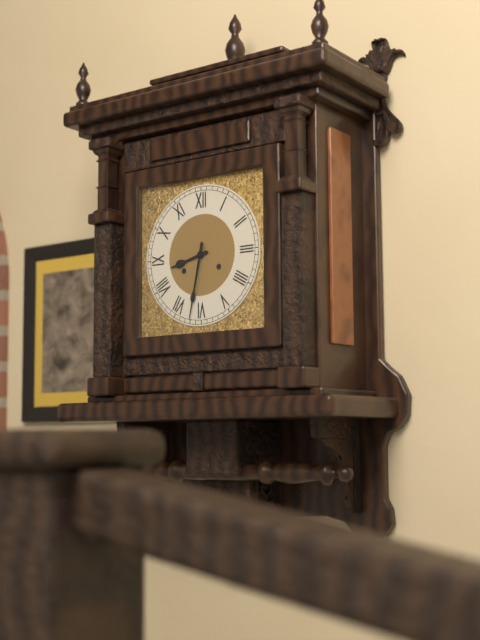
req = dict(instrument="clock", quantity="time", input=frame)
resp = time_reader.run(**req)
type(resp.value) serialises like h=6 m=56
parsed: h=8 m=32
